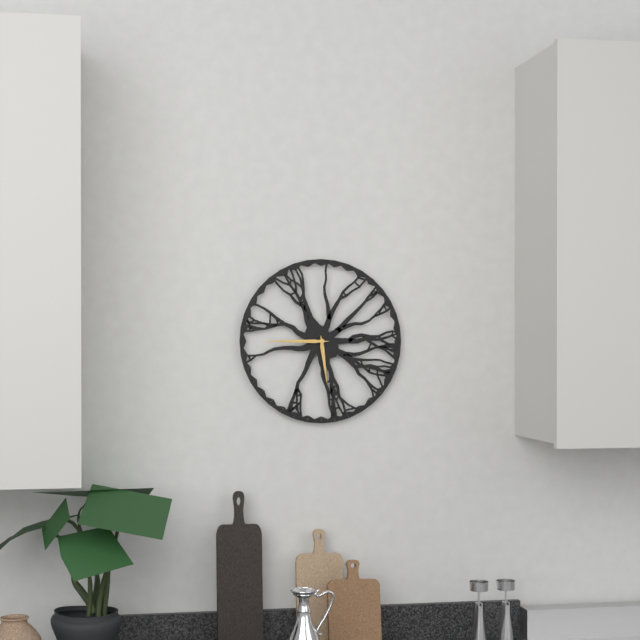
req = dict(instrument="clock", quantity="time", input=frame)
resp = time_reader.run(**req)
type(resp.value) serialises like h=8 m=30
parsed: h=5 m=45
